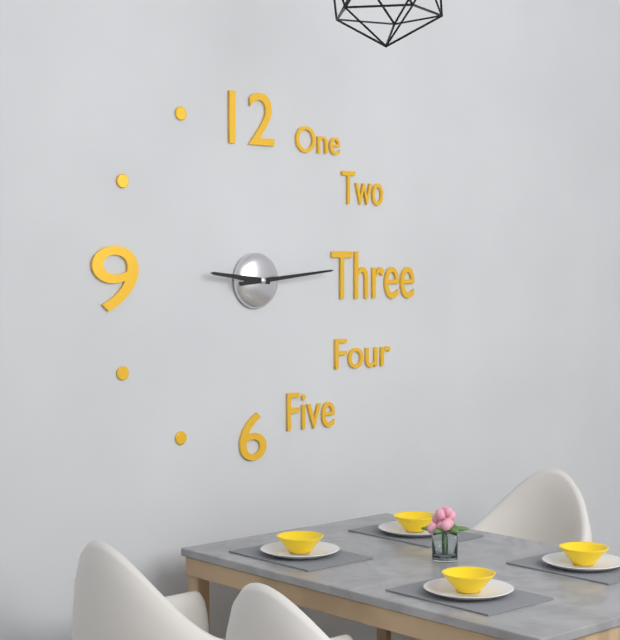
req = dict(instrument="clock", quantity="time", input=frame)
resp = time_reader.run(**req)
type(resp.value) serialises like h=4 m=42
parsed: h=9 m=14
